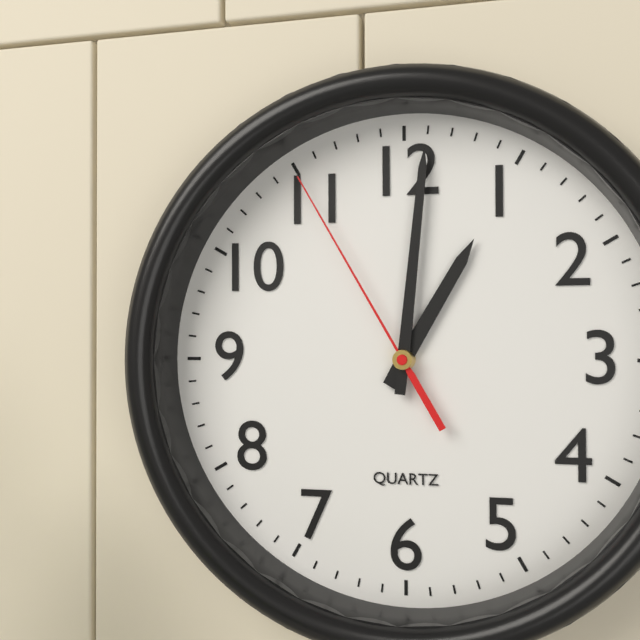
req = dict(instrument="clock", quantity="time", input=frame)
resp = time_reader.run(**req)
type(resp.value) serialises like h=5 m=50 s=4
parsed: h=1 m=1 s=55
